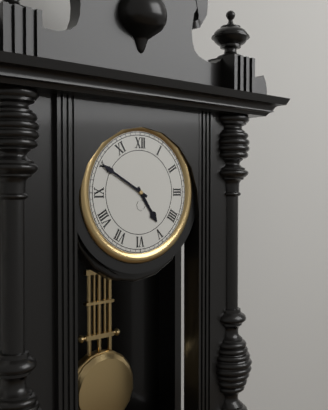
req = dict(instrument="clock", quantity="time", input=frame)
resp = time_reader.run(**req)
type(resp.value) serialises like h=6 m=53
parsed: h=4 m=50
